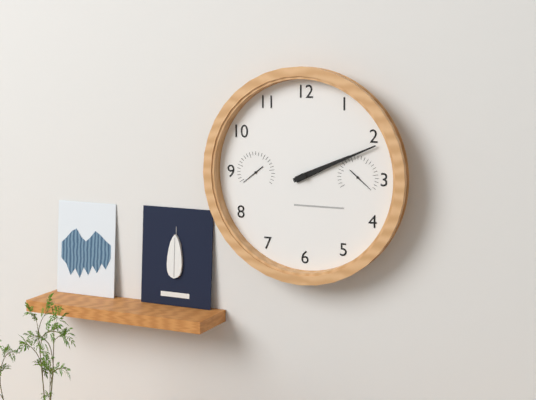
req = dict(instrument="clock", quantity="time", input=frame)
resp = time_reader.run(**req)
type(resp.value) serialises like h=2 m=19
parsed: h=2 m=11
